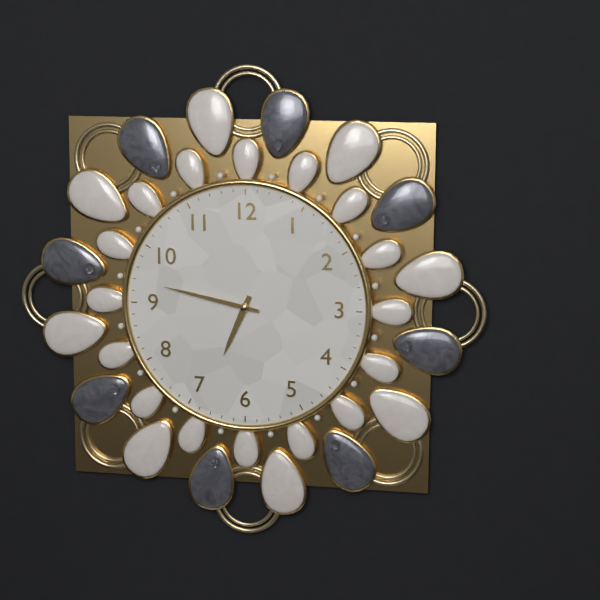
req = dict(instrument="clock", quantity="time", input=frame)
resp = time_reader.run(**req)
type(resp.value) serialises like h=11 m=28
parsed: h=6 m=47
